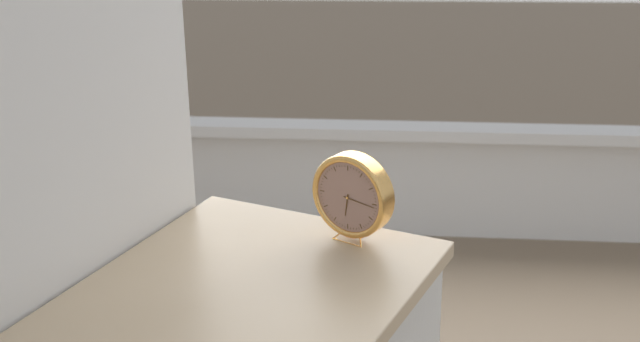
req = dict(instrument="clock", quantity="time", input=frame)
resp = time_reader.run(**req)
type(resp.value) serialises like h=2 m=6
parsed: h=6 m=16
